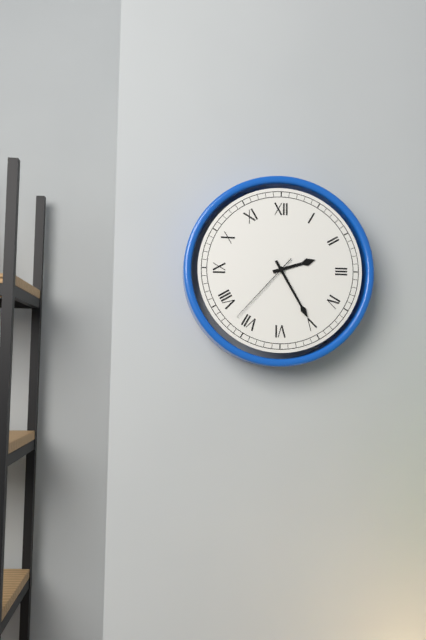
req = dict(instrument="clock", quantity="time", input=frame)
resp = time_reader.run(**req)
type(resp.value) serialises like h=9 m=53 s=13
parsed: h=2 m=25 s=37
